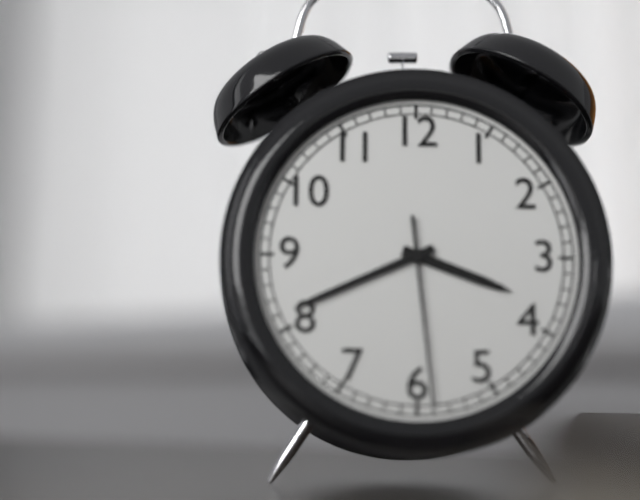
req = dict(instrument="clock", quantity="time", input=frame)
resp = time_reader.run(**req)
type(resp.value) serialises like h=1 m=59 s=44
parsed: h=3 m=41 s=29
